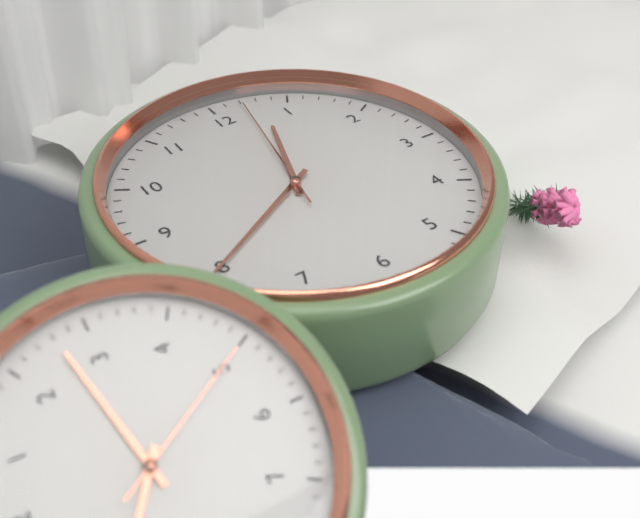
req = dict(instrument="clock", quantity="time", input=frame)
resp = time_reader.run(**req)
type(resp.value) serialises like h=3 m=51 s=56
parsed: h=12 m=40 s=2
